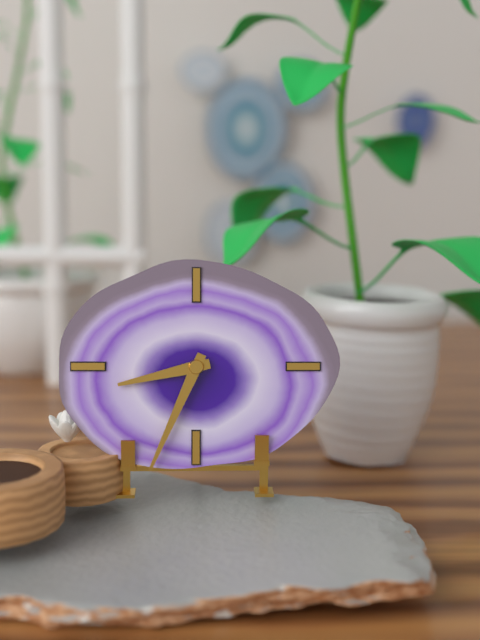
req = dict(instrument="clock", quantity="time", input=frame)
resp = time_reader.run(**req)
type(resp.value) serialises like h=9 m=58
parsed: h=8 m=34
